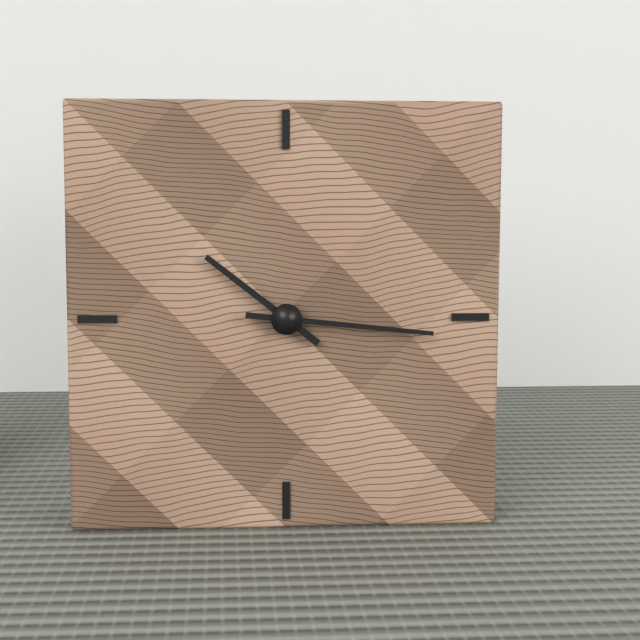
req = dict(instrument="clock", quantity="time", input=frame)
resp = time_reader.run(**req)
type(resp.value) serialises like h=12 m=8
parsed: h=10 m=16
